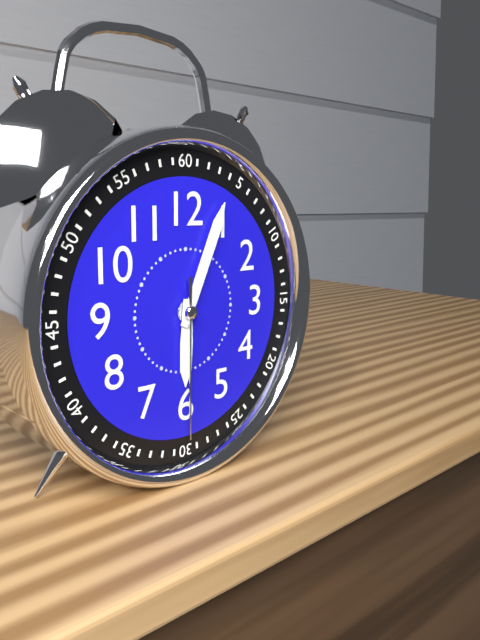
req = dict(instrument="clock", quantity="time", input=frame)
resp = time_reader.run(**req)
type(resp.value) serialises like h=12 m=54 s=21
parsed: h=6 m=4 s=30
